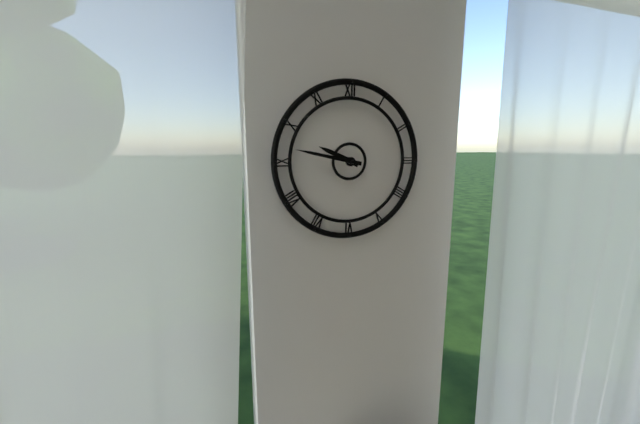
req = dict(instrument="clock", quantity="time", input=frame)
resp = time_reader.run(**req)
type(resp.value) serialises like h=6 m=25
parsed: h=9 m=47
